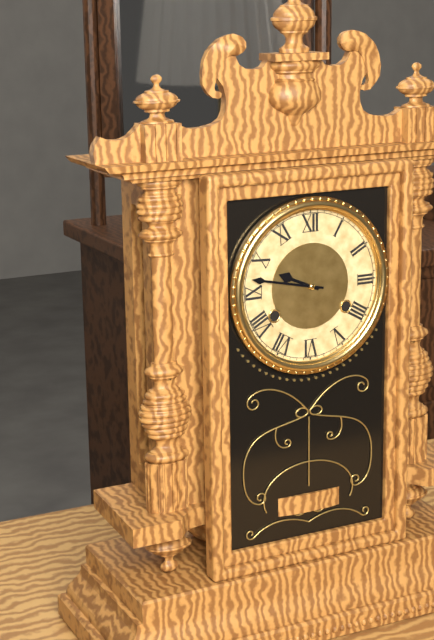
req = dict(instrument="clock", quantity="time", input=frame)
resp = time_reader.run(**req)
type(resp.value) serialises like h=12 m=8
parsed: h=9 m=47
